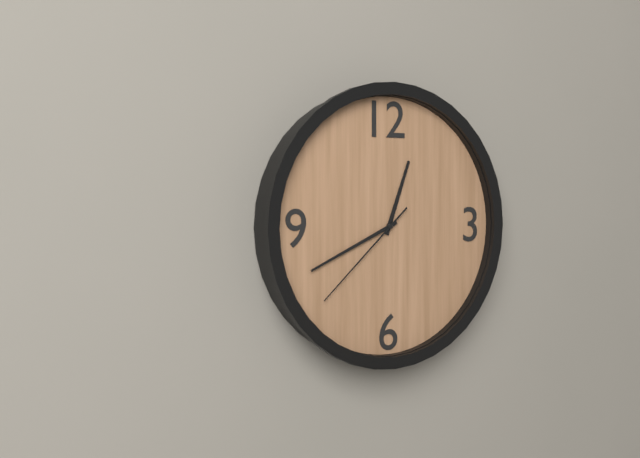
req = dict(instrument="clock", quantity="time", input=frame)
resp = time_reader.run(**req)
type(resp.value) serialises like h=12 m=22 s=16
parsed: h=12 m=41 s=38
